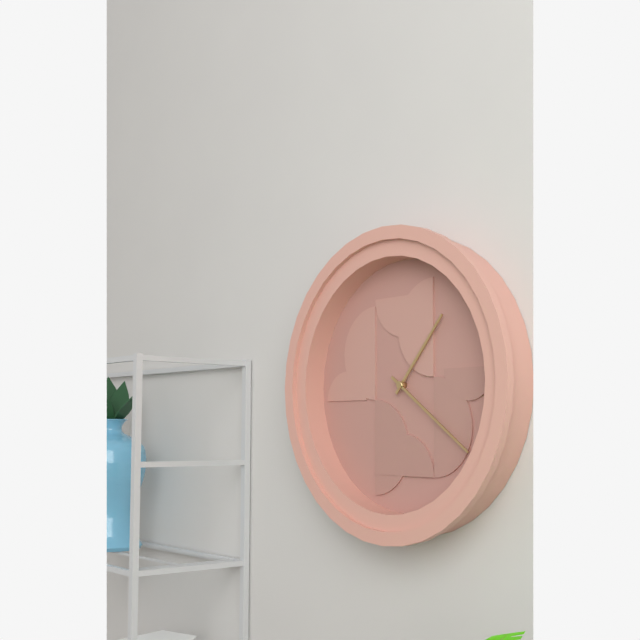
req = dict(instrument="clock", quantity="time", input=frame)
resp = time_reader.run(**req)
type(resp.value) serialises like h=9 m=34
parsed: h=1 m=21
